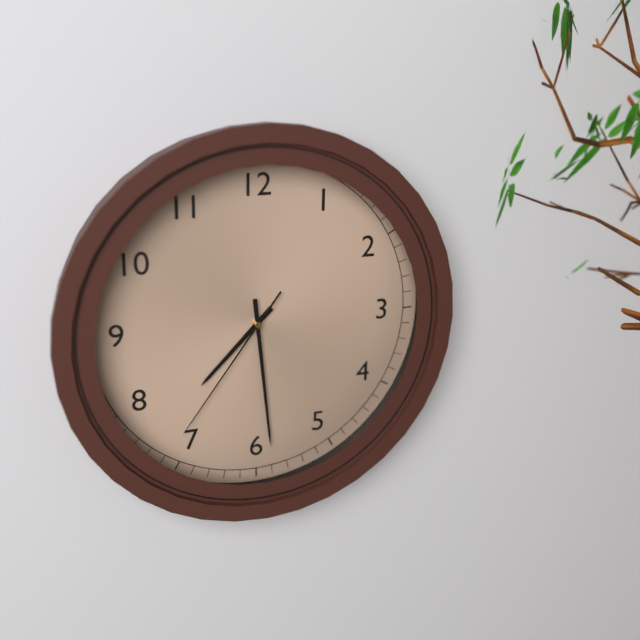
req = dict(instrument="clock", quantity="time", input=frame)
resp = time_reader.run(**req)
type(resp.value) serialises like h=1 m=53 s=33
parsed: h=7 m=29 s=36
